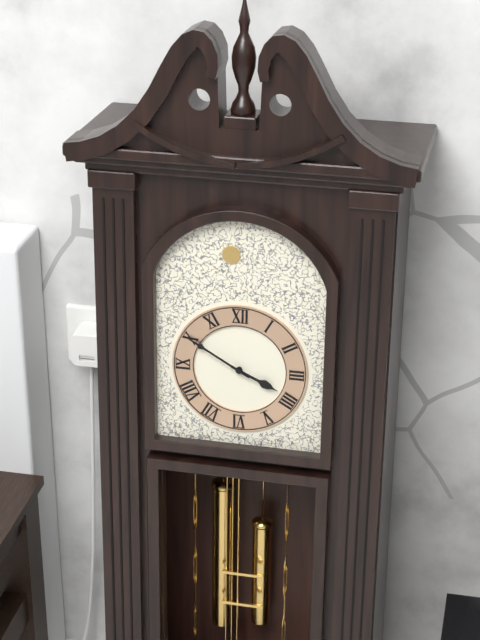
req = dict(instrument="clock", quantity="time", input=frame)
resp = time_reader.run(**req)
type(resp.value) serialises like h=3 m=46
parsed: h=3 m=50
